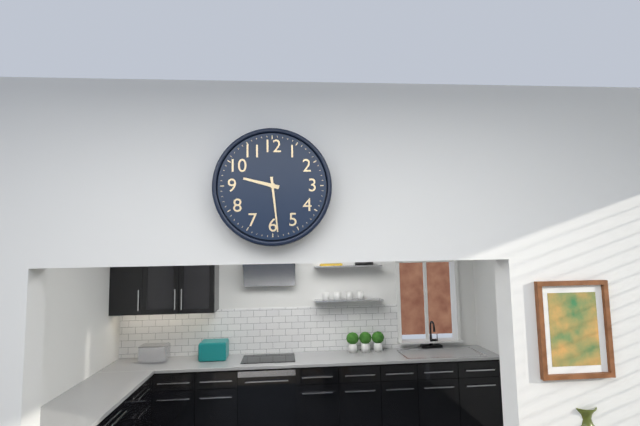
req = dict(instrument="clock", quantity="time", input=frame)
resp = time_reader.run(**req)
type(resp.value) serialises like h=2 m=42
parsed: h=9 m=29
